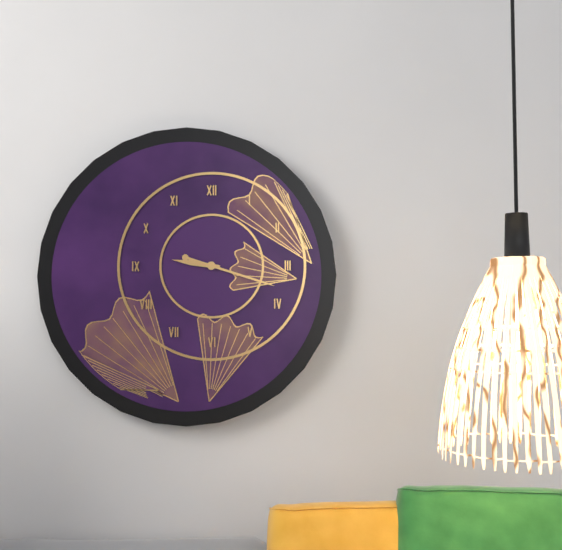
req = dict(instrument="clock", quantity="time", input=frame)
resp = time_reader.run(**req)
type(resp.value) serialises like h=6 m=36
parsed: h=9 m=18
